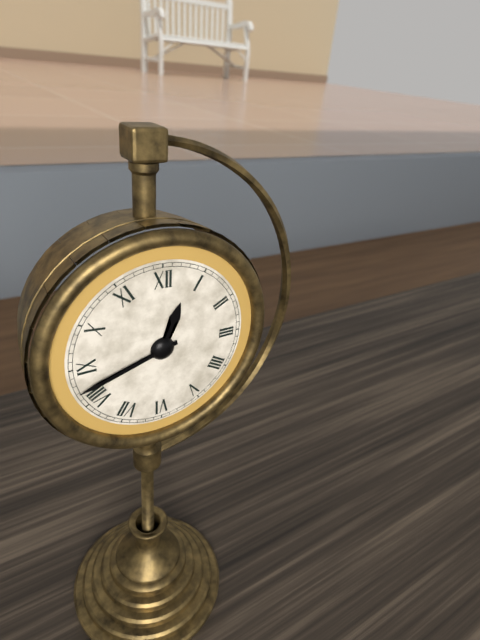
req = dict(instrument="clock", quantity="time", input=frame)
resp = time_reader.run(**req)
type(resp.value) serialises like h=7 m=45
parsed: h=12 m=42
